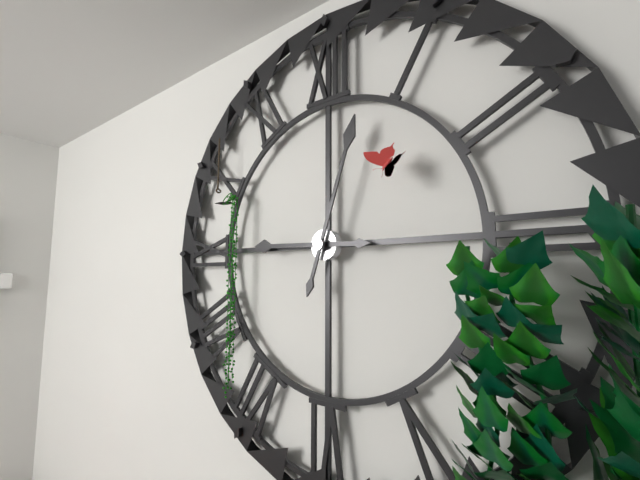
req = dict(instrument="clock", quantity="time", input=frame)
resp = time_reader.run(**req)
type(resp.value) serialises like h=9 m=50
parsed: h=9 m=3
